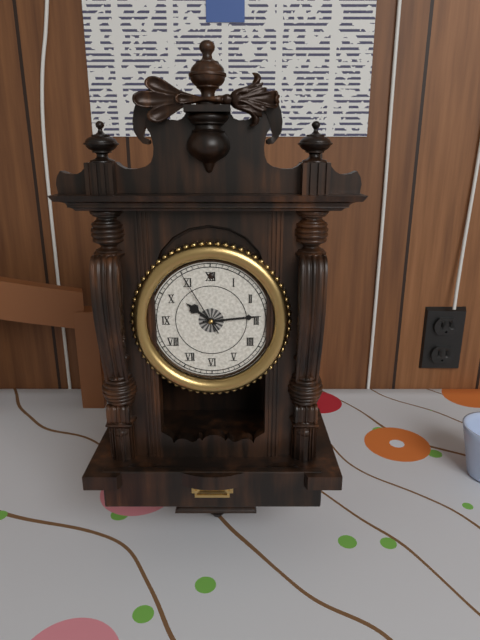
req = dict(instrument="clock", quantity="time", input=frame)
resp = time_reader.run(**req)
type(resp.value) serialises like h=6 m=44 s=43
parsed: h=10 m=14 s=55
